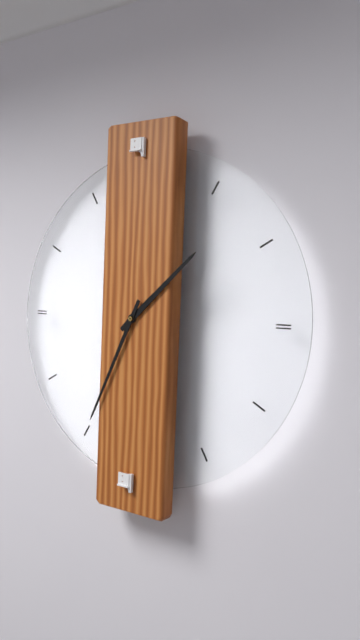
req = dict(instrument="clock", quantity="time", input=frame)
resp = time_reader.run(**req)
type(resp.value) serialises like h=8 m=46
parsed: h=1 m=34
